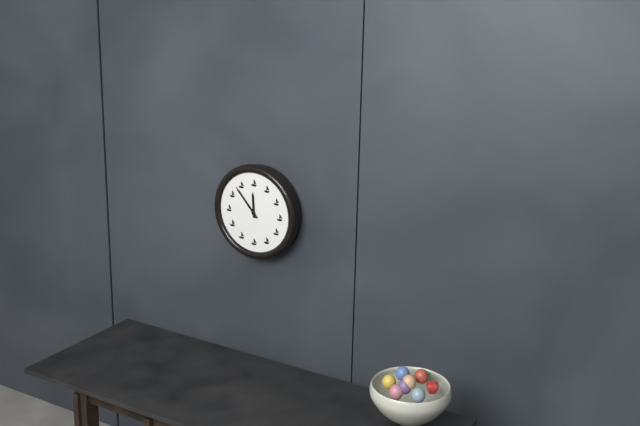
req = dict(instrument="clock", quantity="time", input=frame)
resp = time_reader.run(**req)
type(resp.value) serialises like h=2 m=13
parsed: h=11 m=53
